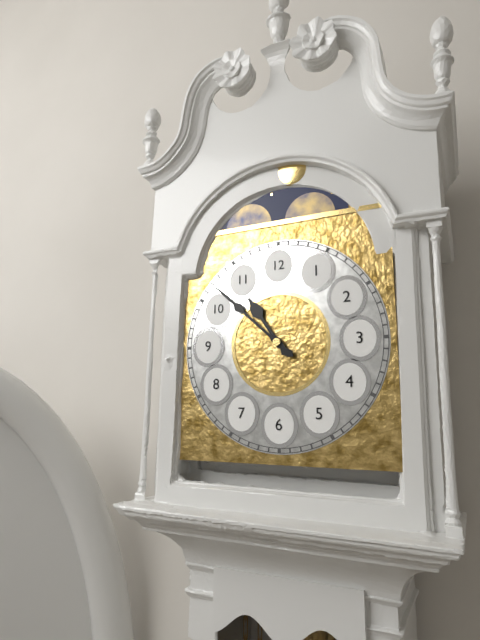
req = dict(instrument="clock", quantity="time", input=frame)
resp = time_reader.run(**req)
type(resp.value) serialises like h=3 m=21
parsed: h=10 m=52
